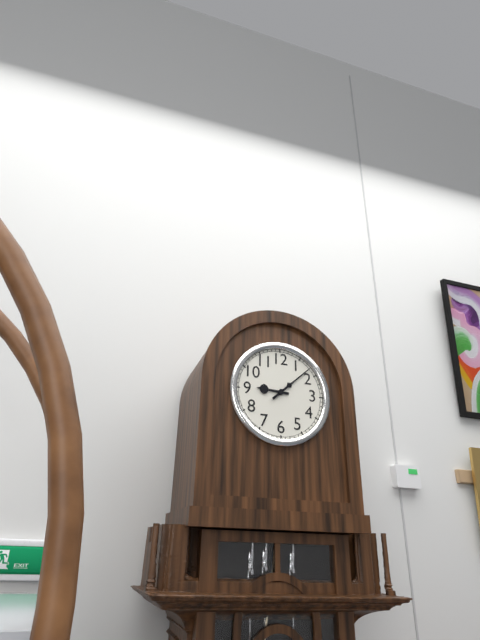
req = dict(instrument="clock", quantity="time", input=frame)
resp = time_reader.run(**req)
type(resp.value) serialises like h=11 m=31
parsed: h=9 m=8
